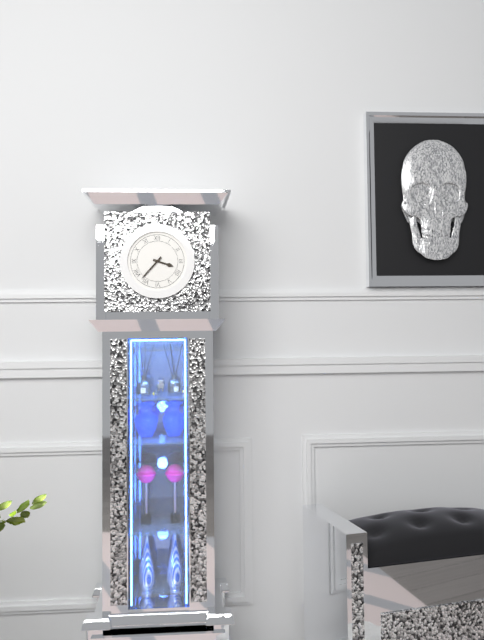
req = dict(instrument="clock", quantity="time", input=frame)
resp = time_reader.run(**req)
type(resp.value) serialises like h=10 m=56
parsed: h=3 m=37
